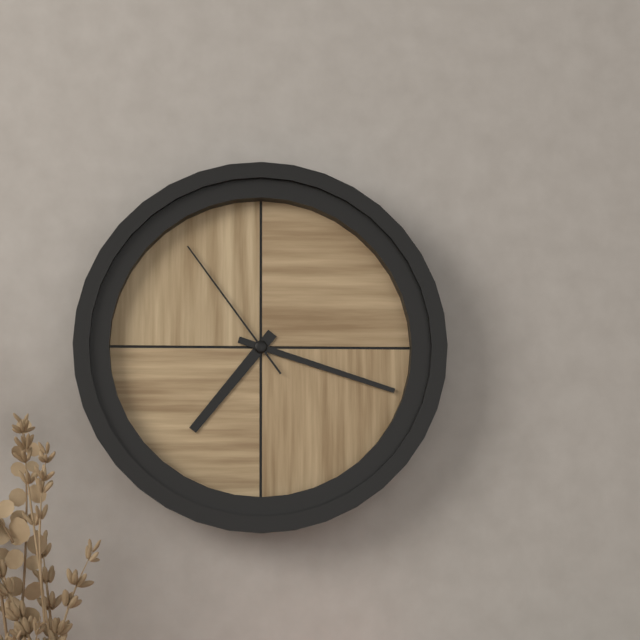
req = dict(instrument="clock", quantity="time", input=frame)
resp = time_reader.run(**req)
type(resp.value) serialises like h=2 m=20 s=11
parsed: h=7 m=18 s=54
